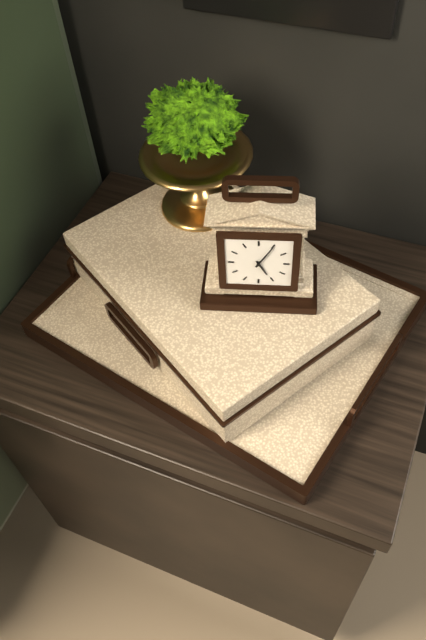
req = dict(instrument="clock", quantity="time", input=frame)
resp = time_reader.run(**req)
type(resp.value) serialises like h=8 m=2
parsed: h=5 m=5
